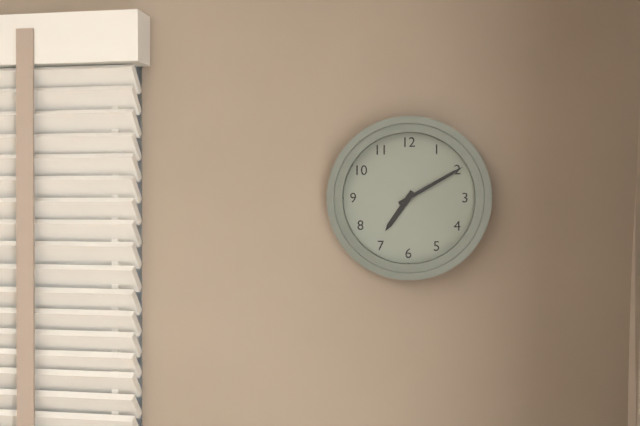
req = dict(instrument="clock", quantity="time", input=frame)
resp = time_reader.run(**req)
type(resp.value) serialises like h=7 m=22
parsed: h=7 m=10
